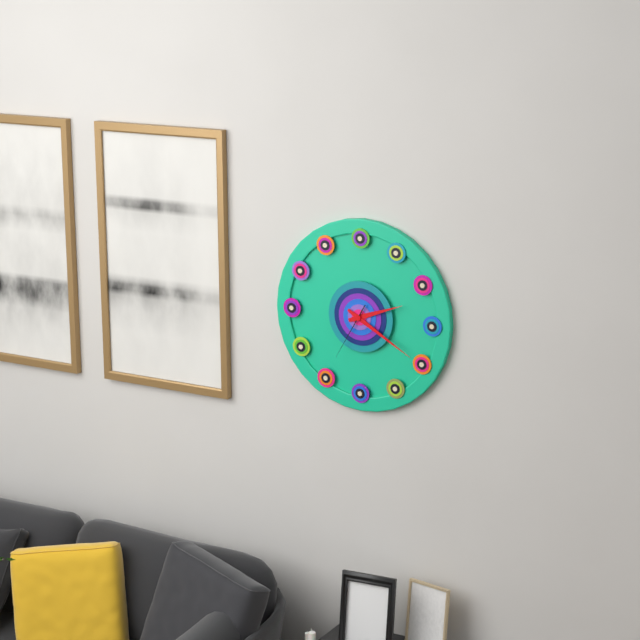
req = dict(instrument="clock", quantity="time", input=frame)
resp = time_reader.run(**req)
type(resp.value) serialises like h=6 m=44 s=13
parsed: h=2 m=20 s=35
